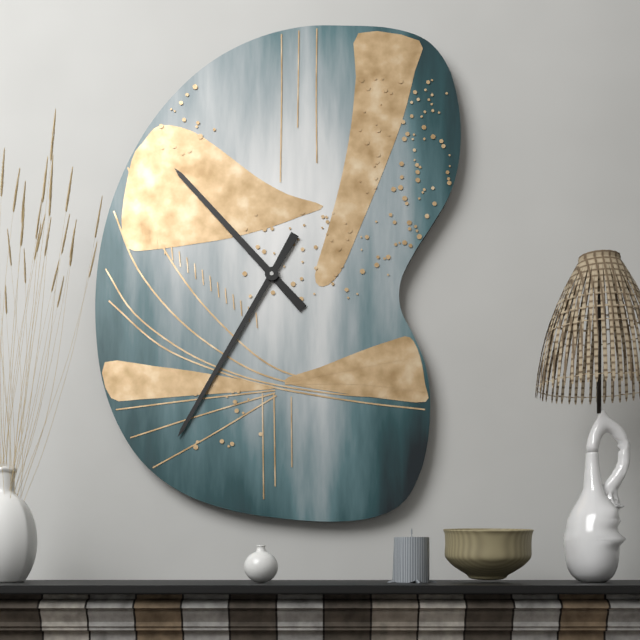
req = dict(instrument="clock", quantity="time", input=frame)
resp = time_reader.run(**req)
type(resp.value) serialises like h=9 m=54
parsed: h=10 m=35
